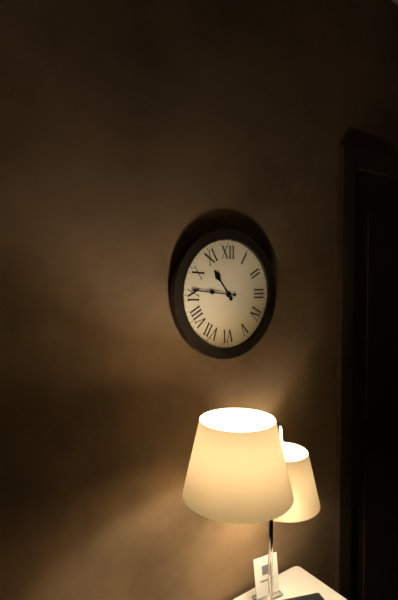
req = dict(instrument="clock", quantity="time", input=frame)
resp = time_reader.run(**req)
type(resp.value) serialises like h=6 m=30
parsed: h=10 m=46
